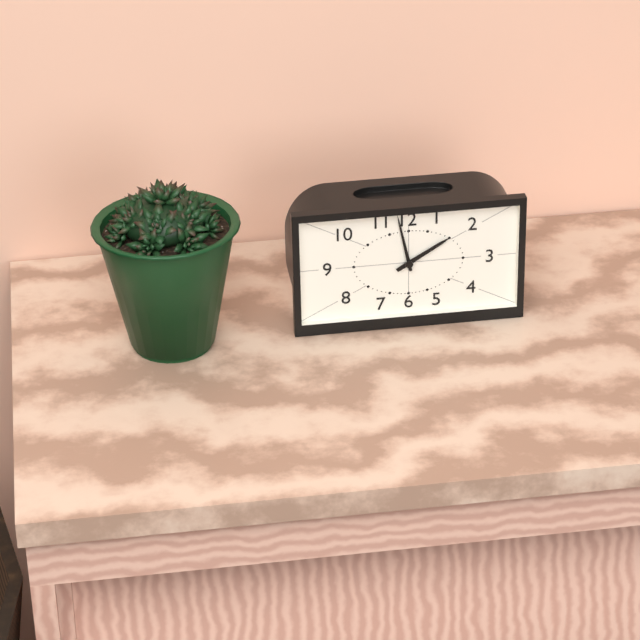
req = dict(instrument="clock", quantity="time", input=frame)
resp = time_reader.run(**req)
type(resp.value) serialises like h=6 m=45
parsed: h=1 m=58
